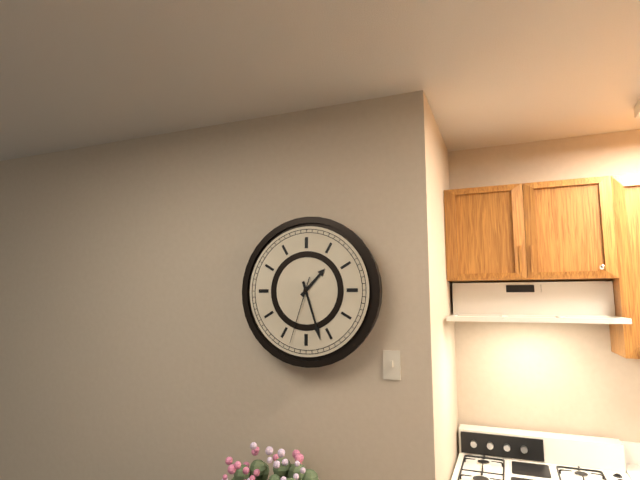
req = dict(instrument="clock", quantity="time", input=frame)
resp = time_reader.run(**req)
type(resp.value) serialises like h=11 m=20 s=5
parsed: h=1 m=27 s=33
